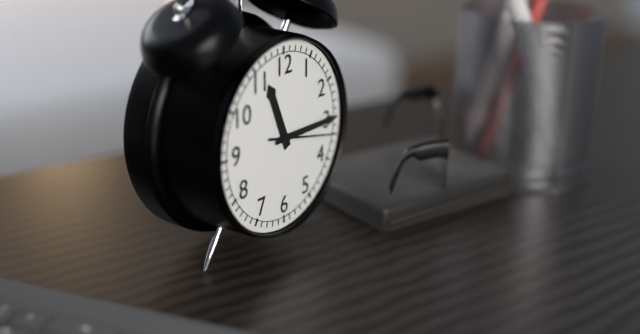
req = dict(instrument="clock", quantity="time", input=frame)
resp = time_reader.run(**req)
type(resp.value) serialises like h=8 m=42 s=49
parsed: h=11 m=15 s=17
